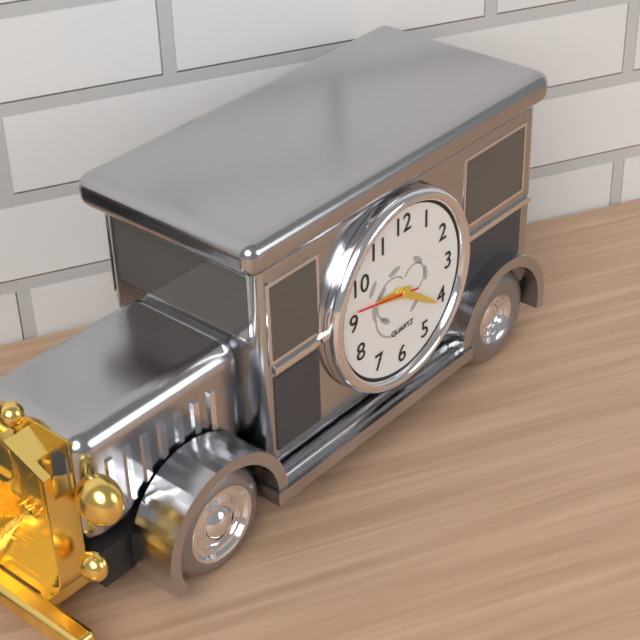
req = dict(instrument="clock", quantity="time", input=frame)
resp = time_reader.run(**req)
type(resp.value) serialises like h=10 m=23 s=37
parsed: h=9 m=21 s=47
